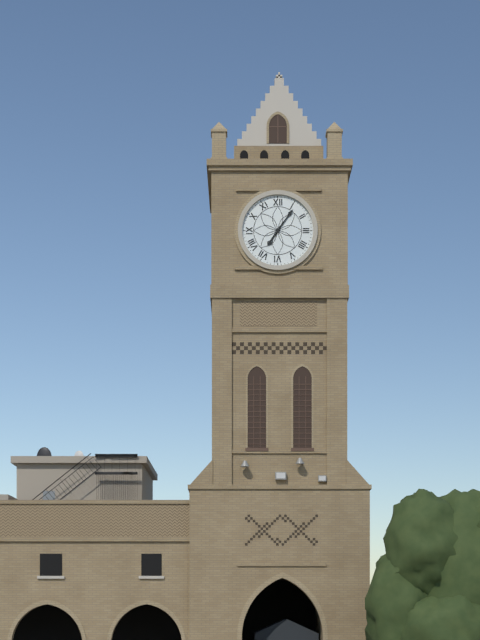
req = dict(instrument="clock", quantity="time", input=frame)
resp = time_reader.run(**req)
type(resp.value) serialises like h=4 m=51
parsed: h=7 m=6
